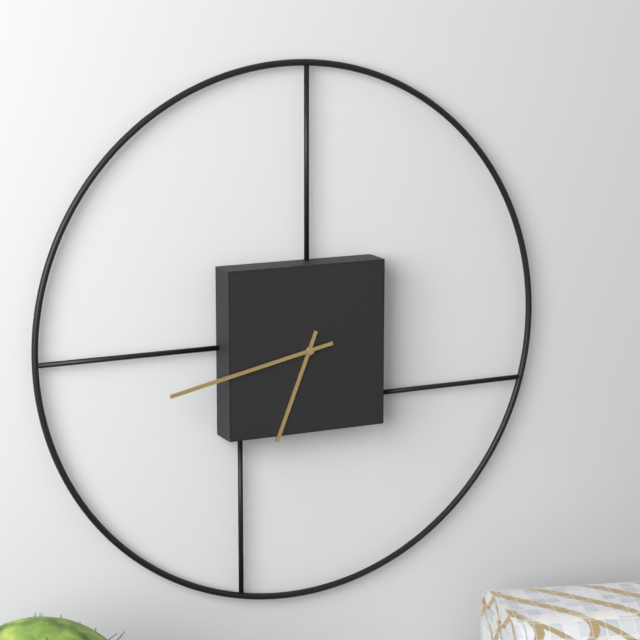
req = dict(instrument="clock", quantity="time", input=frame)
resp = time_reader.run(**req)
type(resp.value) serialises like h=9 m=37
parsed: h=6 m=43
